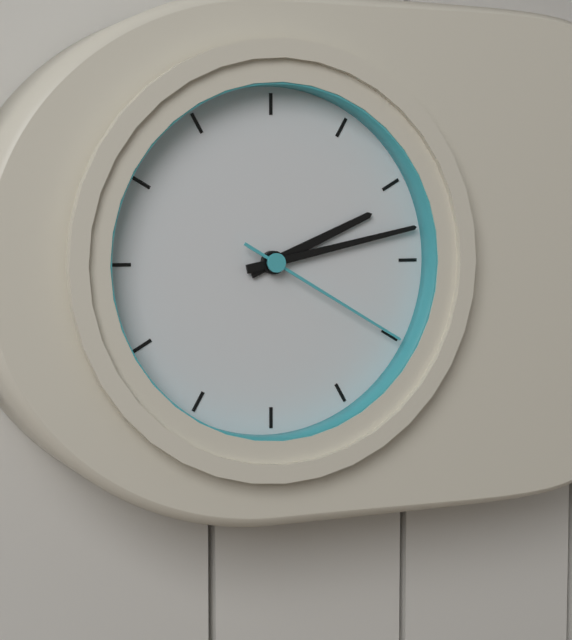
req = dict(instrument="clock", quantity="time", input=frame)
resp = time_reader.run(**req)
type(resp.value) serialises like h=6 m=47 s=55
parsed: h=2 m=13 s=20
